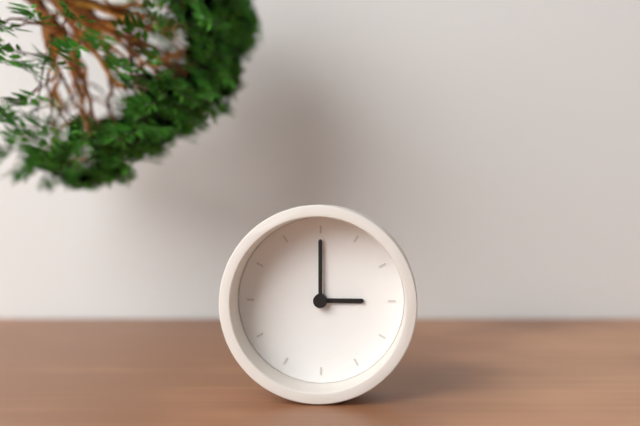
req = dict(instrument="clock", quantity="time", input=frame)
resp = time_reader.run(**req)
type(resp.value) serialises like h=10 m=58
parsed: h=3 m=0
